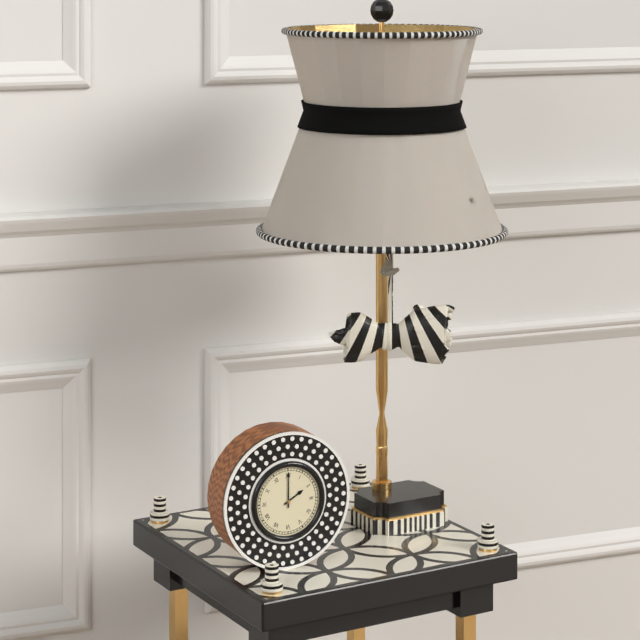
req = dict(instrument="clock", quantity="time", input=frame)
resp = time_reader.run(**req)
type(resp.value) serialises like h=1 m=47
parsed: h=2 m=0
